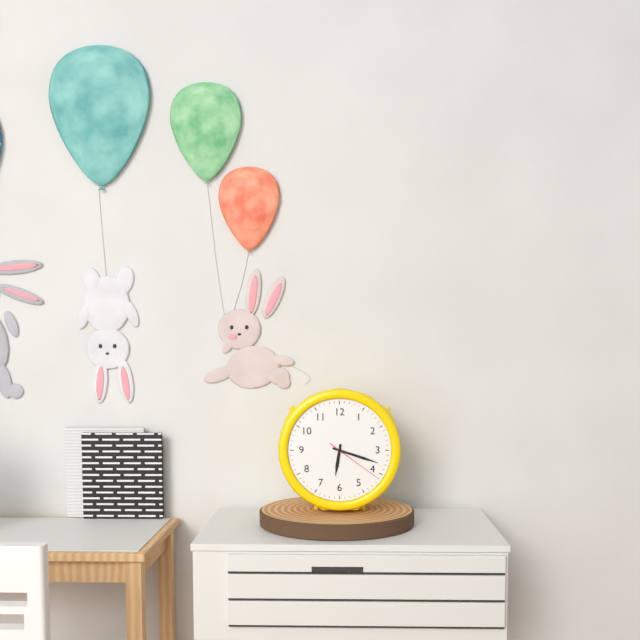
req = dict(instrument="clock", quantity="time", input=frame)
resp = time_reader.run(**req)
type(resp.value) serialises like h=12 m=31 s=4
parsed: h=6 m=18 s=21
